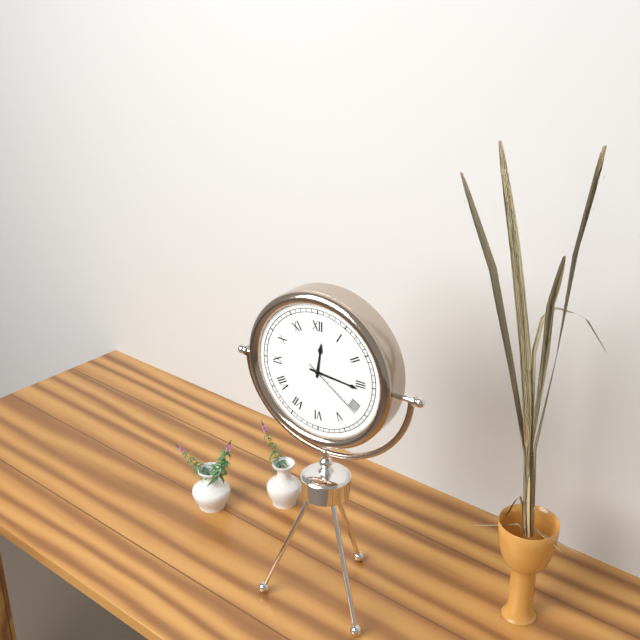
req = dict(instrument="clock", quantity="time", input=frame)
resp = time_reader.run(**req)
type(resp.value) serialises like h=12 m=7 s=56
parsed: h=12 m=16 s=21
